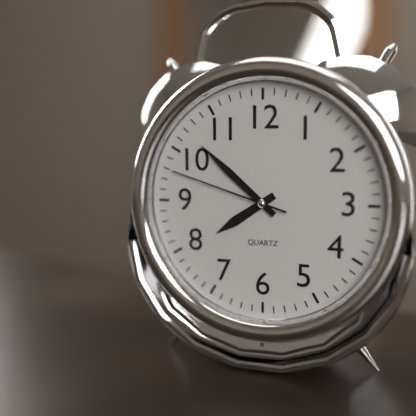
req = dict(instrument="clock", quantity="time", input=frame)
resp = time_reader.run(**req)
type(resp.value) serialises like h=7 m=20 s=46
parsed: h=7 m=52 s=48
